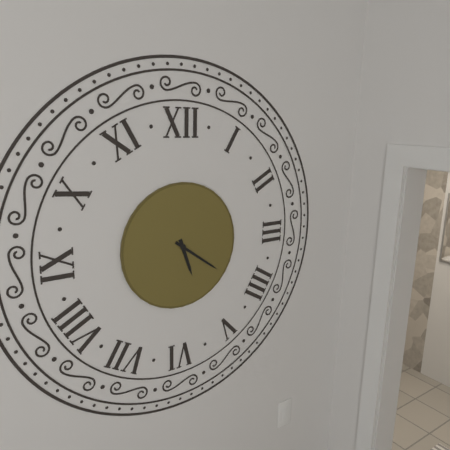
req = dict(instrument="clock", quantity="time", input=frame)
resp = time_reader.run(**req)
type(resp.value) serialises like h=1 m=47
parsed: h=5 m=21
